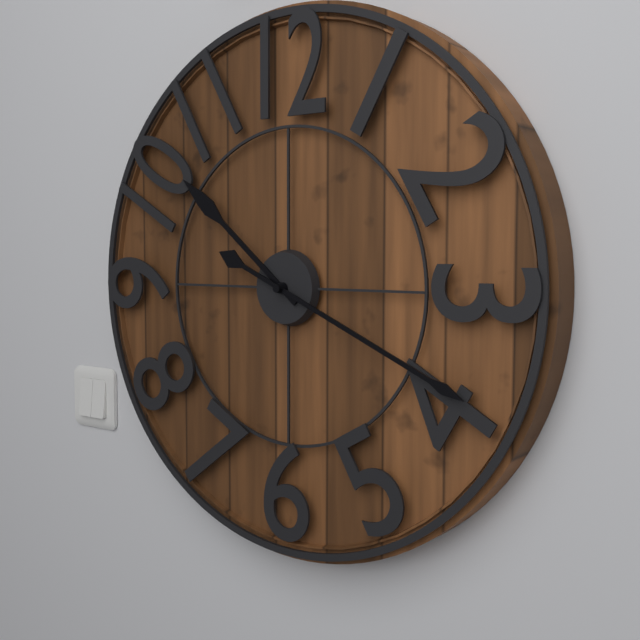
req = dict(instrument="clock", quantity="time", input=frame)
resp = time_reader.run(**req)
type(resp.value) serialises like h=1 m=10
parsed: h=10 m=19
